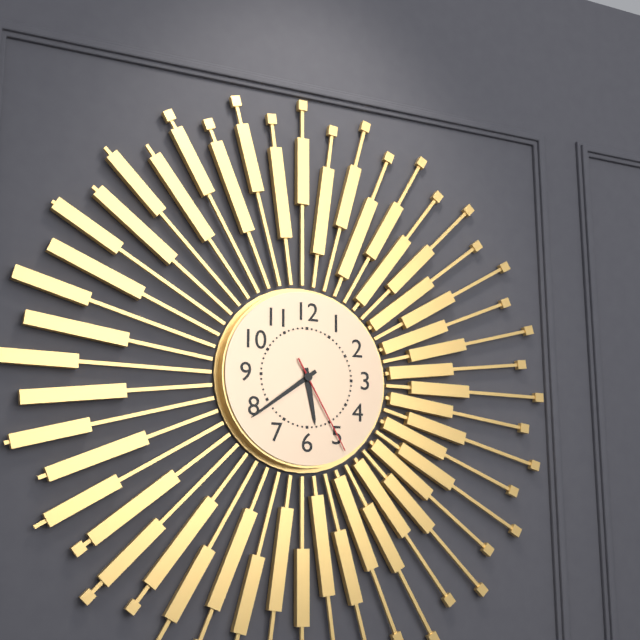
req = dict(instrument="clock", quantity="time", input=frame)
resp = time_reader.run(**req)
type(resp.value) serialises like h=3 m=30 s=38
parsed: h=5 m=39 s=25
